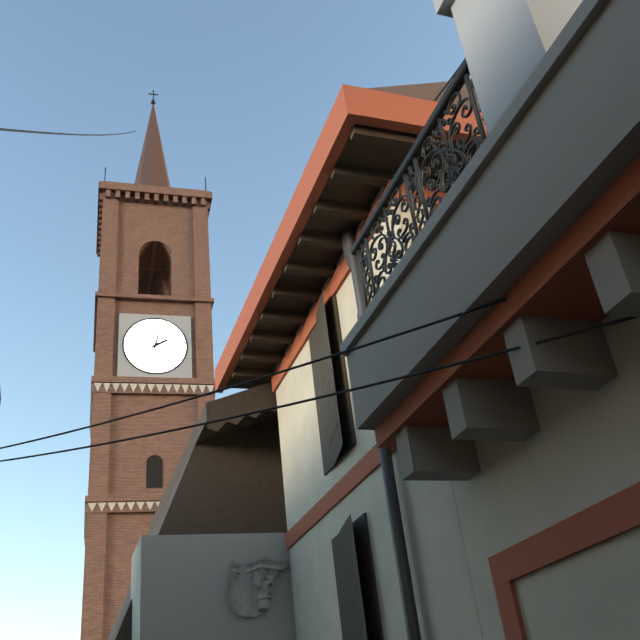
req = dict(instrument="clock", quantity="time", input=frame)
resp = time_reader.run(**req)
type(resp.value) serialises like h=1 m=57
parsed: h=2 m=2
